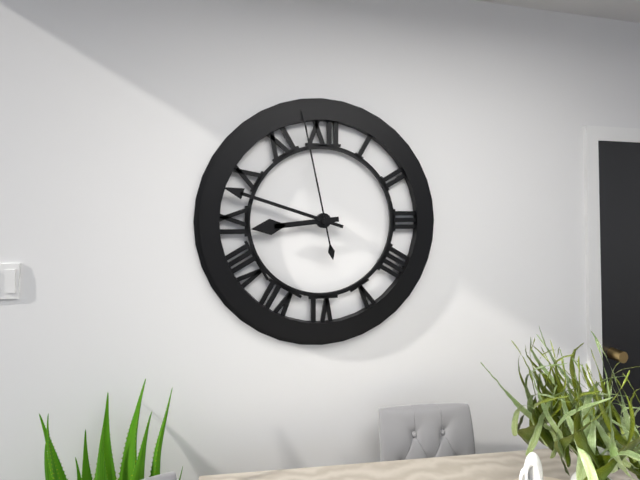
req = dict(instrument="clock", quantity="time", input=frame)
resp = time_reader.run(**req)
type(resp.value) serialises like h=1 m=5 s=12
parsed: h=8 m=48 s=58
